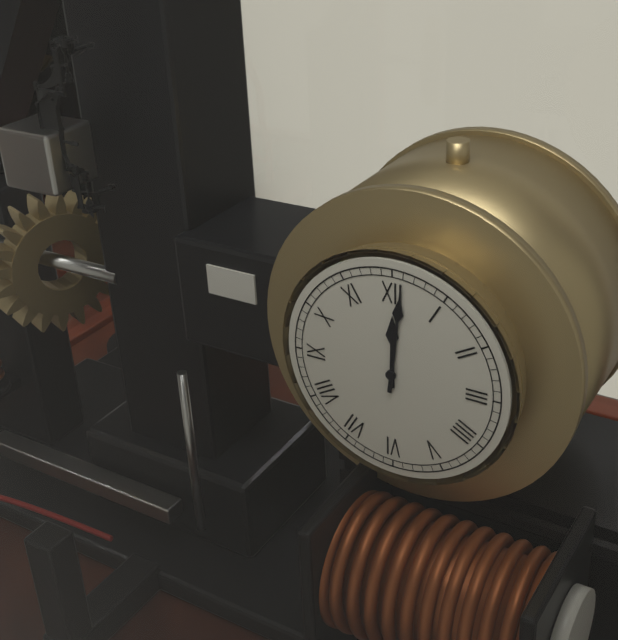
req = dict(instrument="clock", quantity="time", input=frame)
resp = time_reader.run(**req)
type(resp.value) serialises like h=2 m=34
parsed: h=12 m=1
